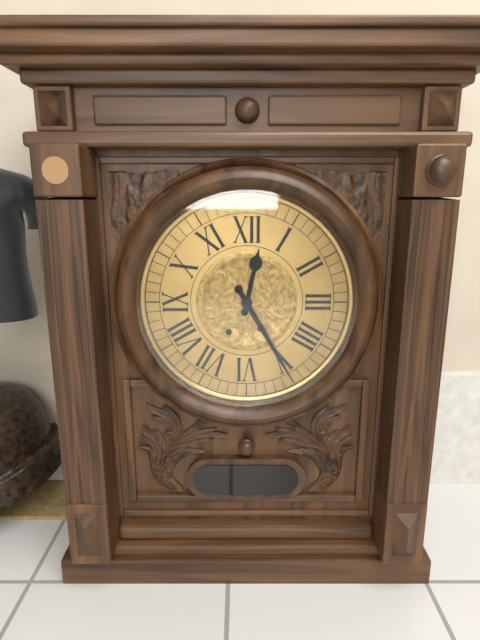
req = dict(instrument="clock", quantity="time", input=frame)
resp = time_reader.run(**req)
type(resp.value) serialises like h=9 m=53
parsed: h=12 m=25
